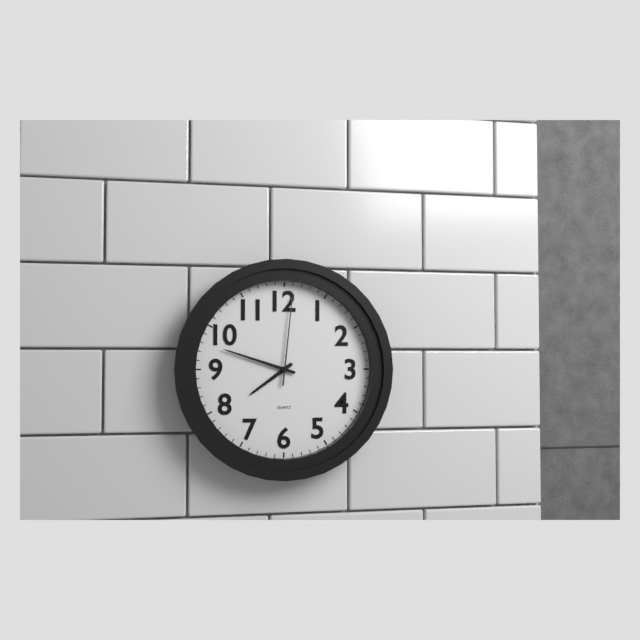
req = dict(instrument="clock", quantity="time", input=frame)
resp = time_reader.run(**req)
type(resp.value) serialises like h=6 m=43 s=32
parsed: h=7 m=48 s=1
